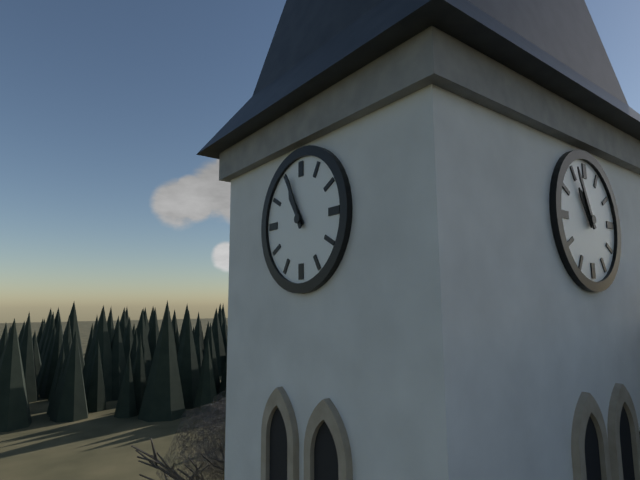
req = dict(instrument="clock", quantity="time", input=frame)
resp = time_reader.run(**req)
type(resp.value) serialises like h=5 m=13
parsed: h=10 m=56
